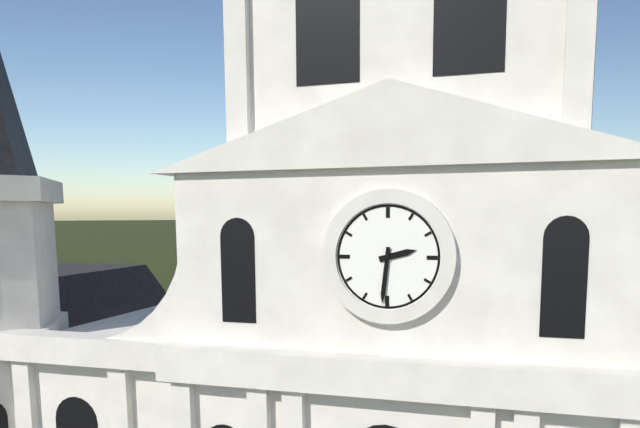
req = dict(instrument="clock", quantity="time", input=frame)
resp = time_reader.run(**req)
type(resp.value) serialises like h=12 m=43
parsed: h=2 m=31
